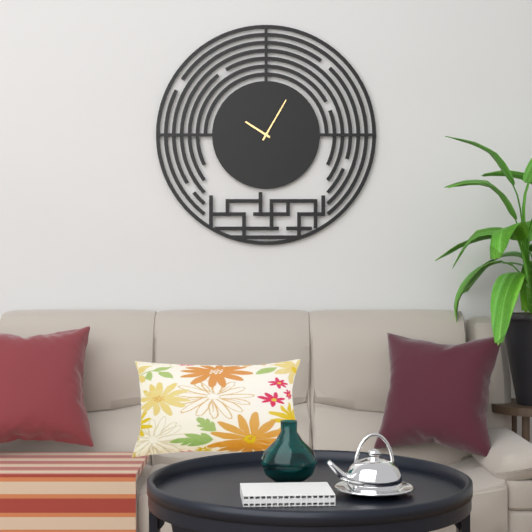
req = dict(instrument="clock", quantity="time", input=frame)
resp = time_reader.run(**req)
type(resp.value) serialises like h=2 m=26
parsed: h=10 m=5
